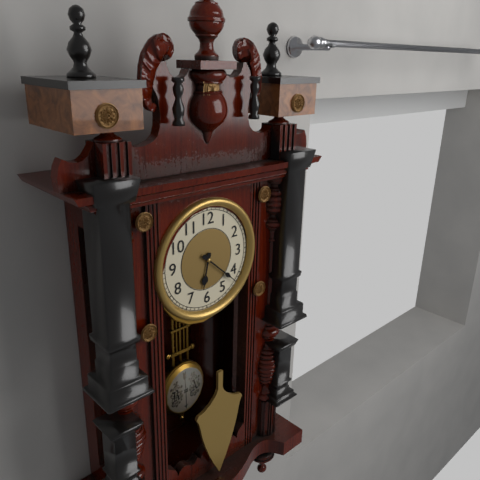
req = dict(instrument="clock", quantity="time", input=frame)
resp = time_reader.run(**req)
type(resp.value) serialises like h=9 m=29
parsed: h=6 m=22
